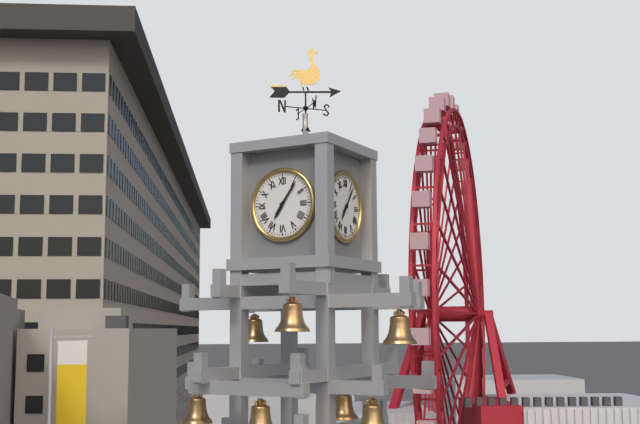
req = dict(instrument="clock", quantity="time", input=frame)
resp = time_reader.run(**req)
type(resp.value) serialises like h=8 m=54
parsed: h=7 m=6
